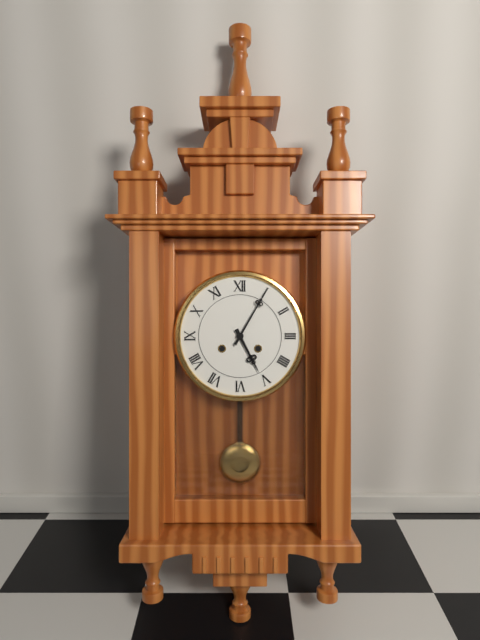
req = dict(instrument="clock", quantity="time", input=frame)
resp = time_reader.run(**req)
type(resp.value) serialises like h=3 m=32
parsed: h=5 m=5
